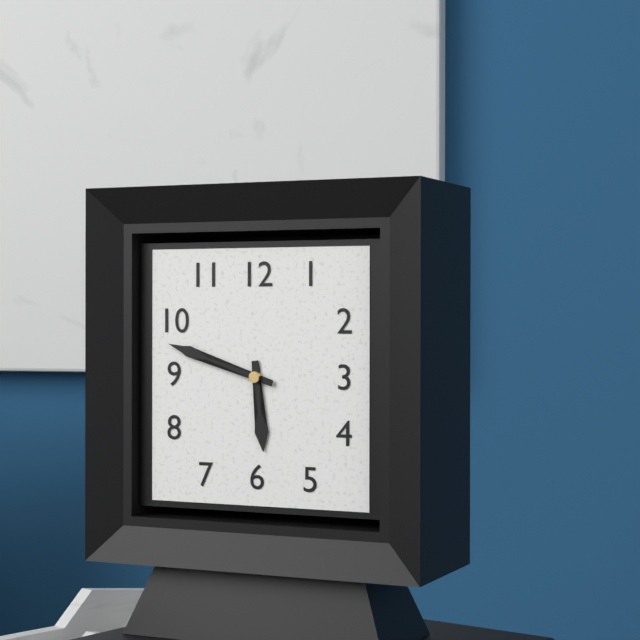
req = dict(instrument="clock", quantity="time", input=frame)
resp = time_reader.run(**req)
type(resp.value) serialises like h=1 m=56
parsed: h=5 m=48
